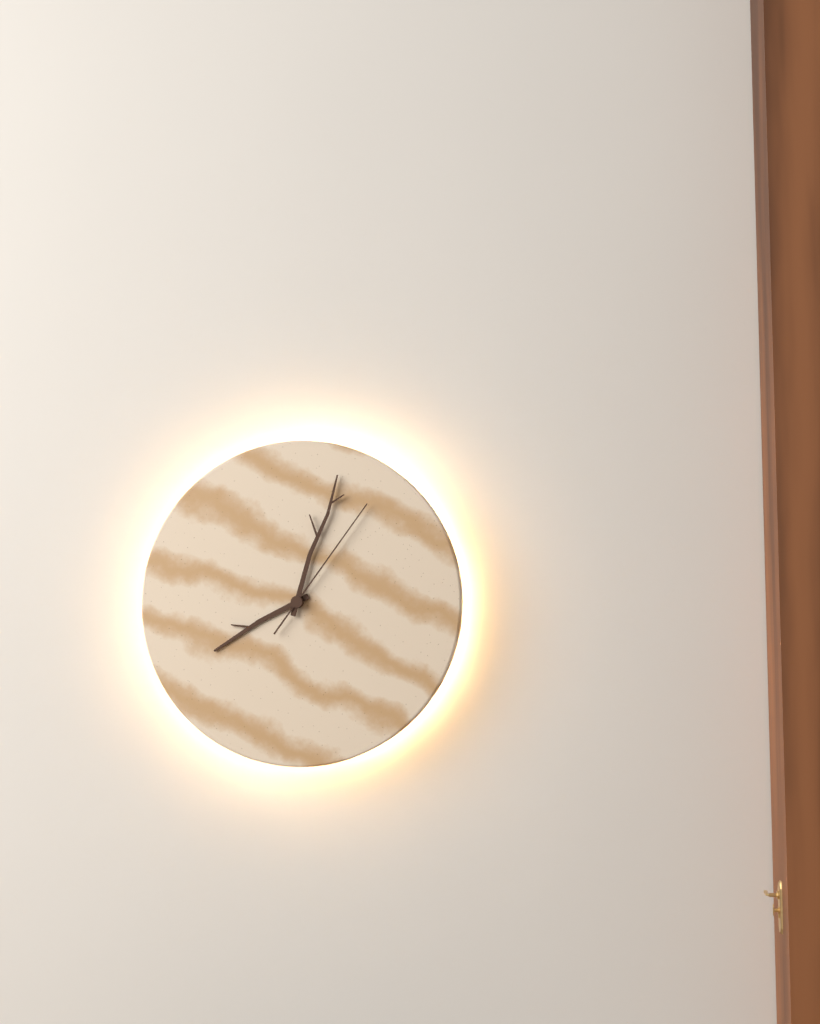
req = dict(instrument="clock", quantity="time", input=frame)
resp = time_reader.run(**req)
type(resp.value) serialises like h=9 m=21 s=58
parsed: h=8 m=3 s=6
